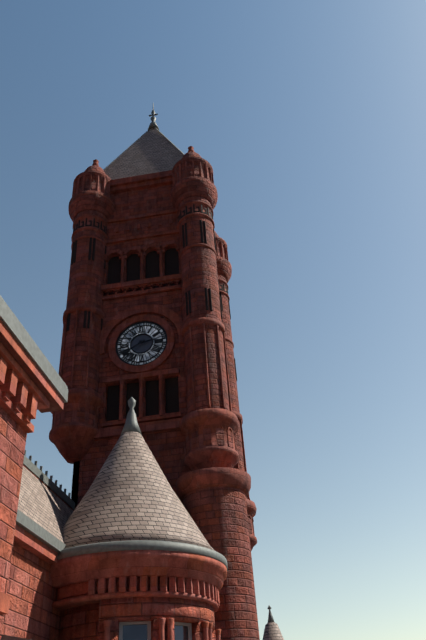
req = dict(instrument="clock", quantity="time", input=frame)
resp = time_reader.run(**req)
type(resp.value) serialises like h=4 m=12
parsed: h=2 m=40
